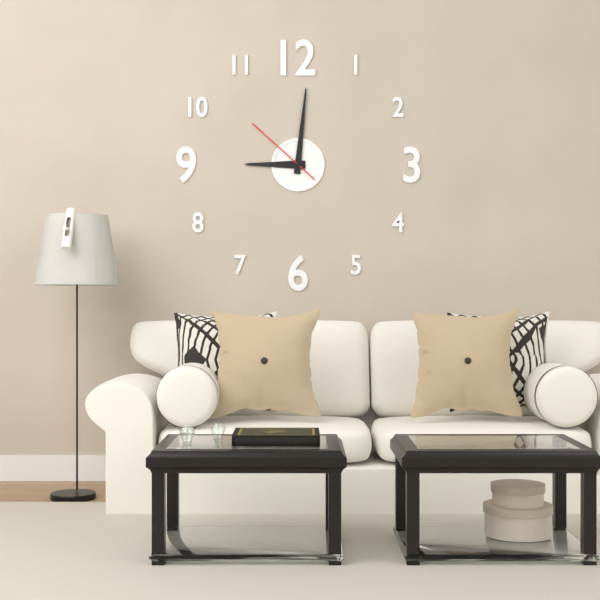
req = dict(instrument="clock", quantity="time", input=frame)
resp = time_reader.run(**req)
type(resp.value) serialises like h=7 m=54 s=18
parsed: h=9 m=1 s=52
